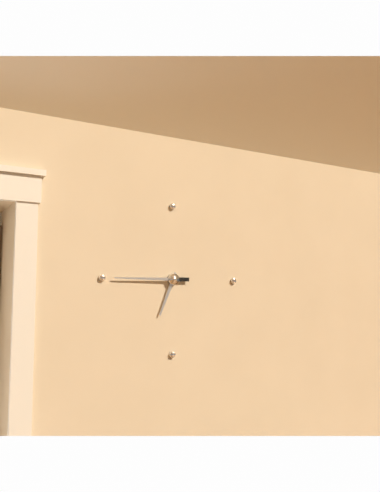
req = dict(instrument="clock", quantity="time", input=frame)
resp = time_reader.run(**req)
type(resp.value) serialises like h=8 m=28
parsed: h=6 m=45
